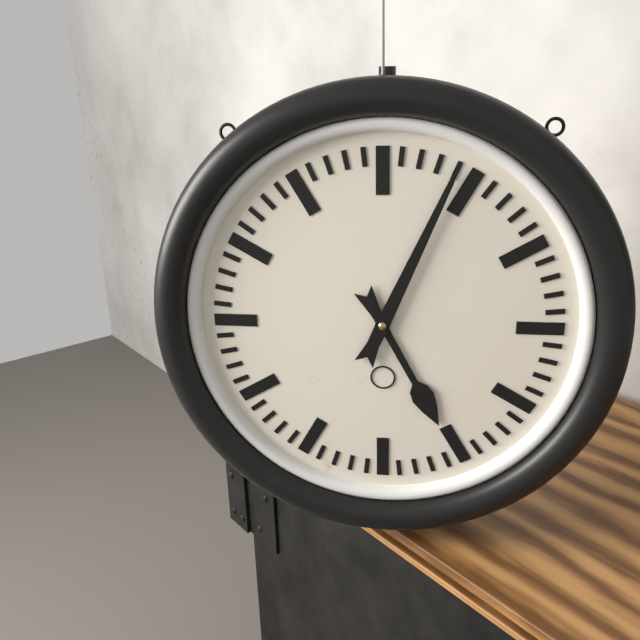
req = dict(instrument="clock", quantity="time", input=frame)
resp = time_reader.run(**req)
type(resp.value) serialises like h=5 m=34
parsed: h=5 m=4
